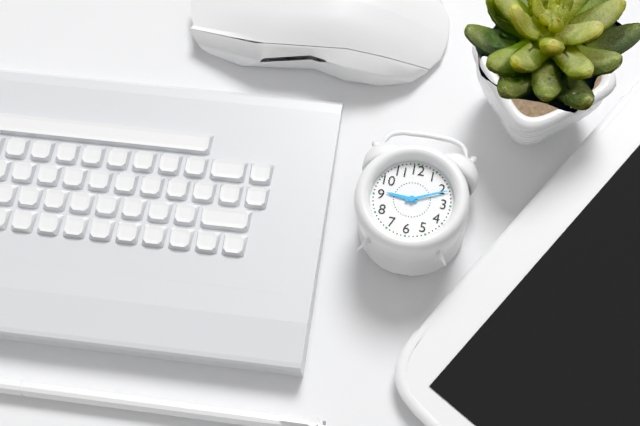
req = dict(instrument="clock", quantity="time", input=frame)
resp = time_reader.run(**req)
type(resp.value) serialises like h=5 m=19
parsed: h=9 m=11
